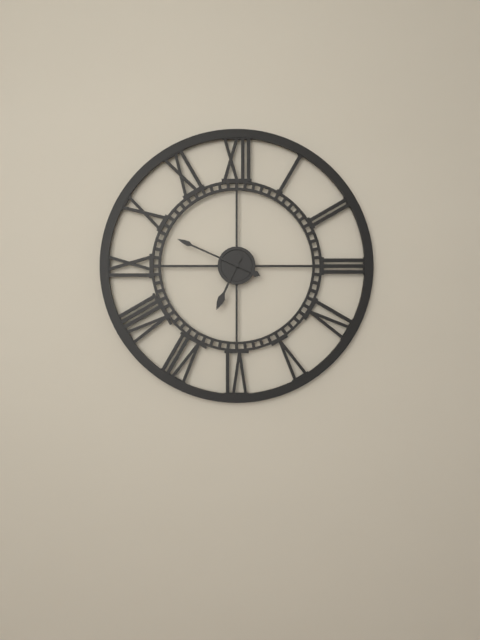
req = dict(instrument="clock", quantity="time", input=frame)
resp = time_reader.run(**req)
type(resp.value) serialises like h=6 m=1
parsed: h=6 m=49
